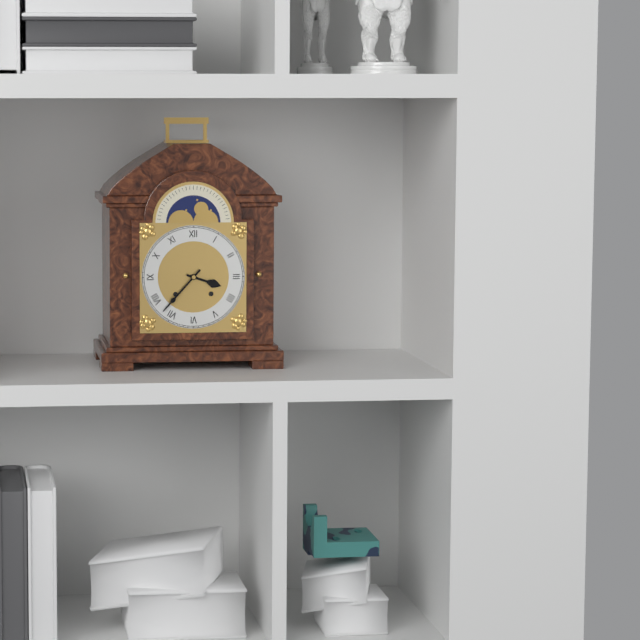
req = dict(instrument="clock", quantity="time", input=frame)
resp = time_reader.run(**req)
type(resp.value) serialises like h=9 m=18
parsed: h=3 m=37
